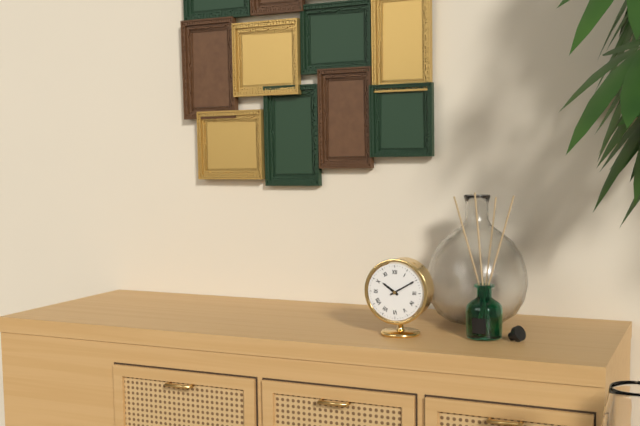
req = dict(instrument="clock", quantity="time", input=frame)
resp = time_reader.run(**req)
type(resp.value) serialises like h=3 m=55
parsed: h=10 m=10
